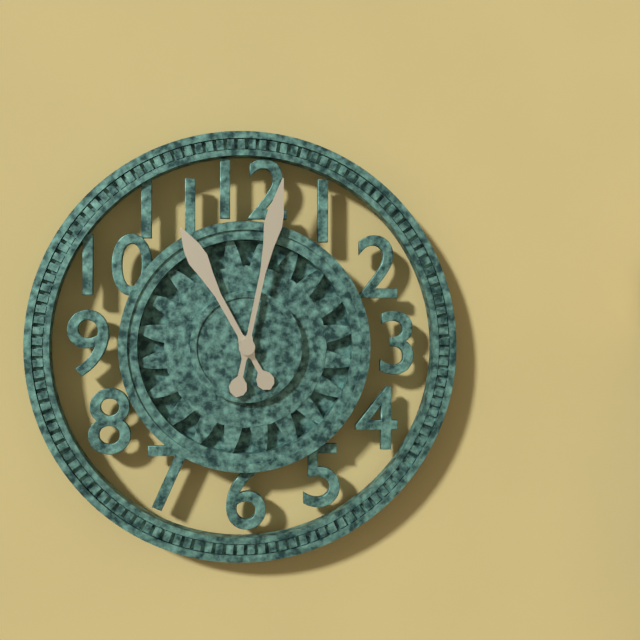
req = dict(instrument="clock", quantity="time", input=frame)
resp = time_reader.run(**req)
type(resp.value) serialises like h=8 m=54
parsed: h=11 m=2
